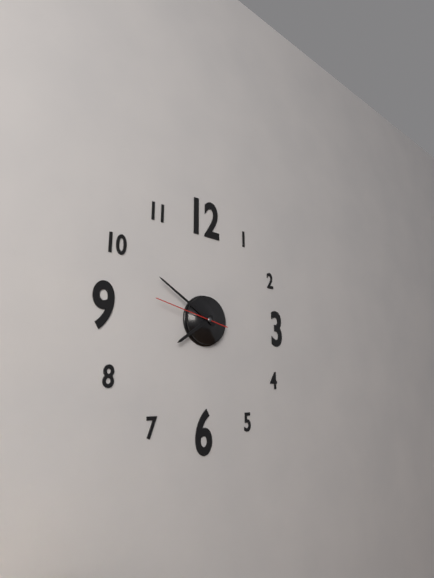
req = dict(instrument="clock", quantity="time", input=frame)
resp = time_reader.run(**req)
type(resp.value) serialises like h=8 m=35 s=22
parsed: h=7 m=50 s=47
